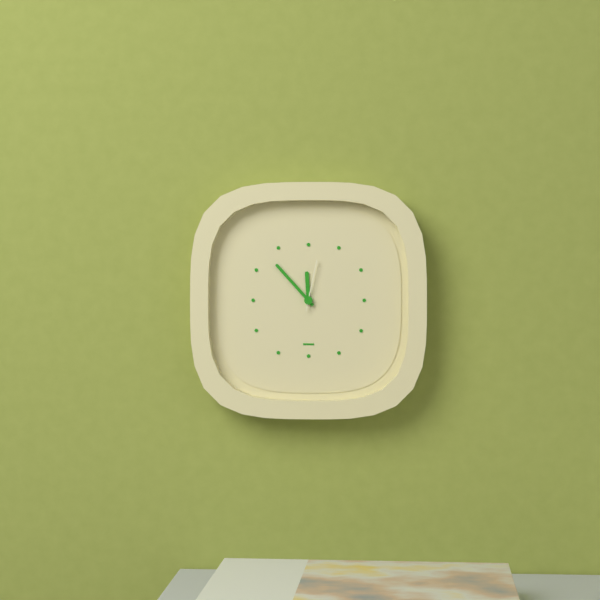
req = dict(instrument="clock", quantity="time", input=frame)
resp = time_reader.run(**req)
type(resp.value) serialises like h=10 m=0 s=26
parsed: h=11 m=53 s=2
